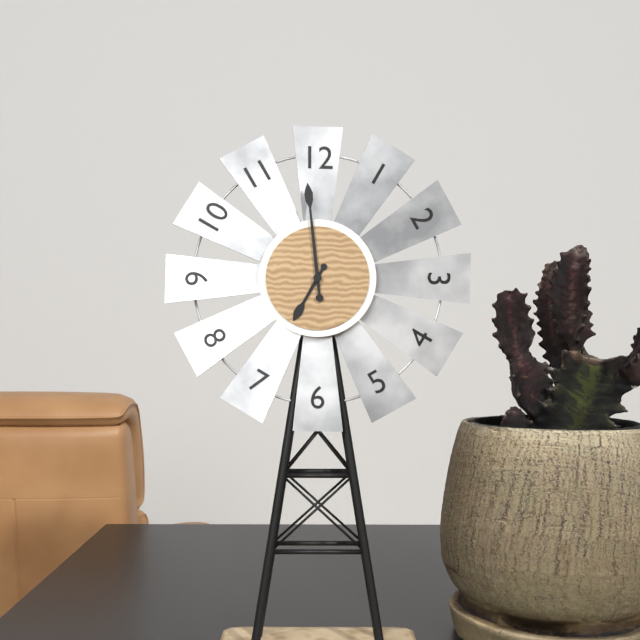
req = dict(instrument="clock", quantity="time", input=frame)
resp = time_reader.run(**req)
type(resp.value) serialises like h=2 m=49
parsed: h=6 m=59
